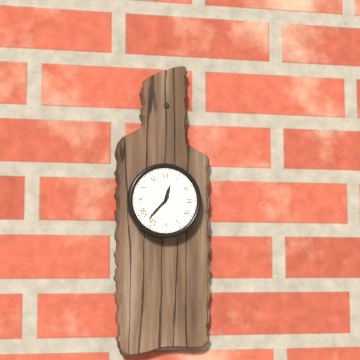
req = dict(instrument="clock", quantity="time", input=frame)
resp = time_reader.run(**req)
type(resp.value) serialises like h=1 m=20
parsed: h=12 m=37
